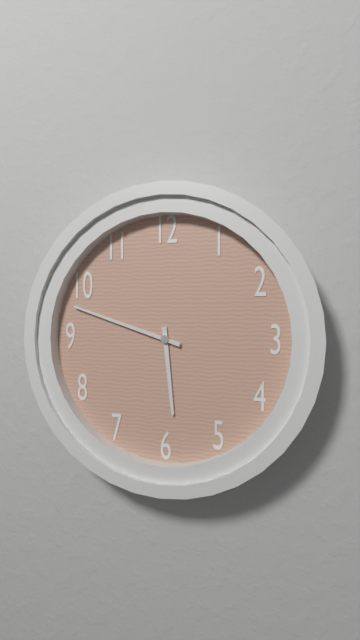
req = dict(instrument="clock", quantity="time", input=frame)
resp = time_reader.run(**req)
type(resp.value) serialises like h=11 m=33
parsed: h=5 m=48
